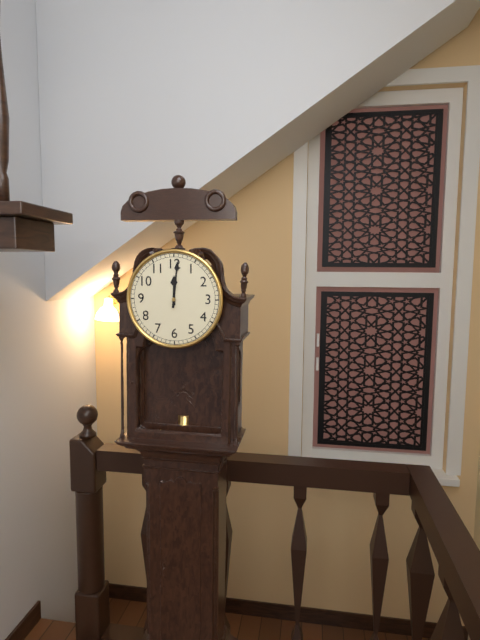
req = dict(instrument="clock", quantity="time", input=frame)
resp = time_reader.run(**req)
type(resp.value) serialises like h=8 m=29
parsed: h=12 m=1
